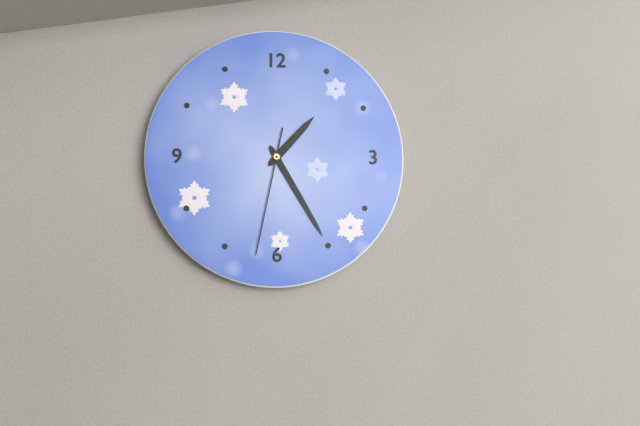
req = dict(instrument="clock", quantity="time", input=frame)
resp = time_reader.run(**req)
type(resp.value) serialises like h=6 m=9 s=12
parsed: h=1 m=25 s=32
